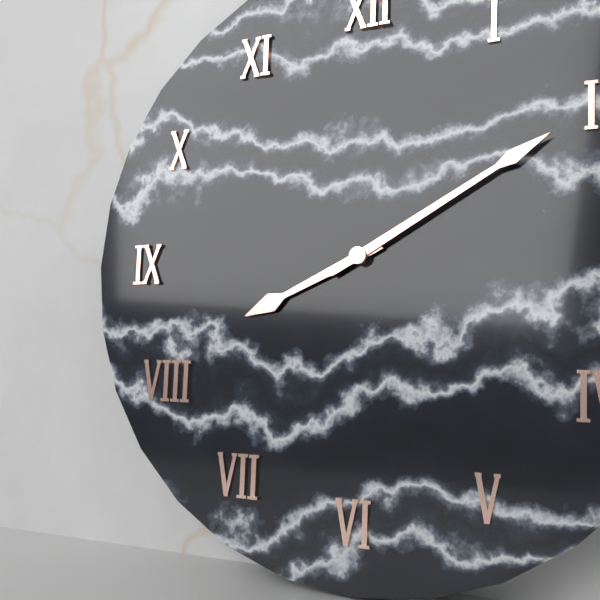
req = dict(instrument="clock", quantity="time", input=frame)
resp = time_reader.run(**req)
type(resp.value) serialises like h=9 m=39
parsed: h=8 m=10
